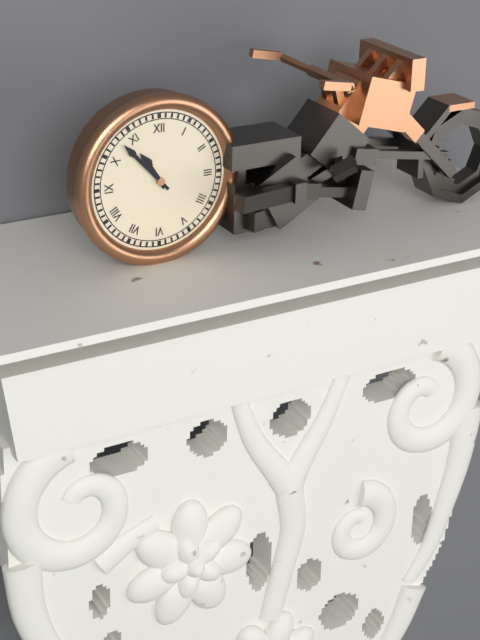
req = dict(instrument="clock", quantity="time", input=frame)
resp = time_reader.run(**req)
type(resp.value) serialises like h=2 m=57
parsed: h=10 m=53
